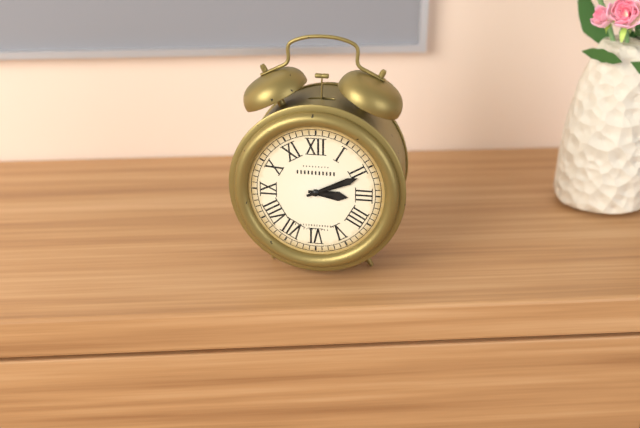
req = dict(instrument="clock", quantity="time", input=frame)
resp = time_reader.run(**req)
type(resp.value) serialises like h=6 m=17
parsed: h=3 m=11
